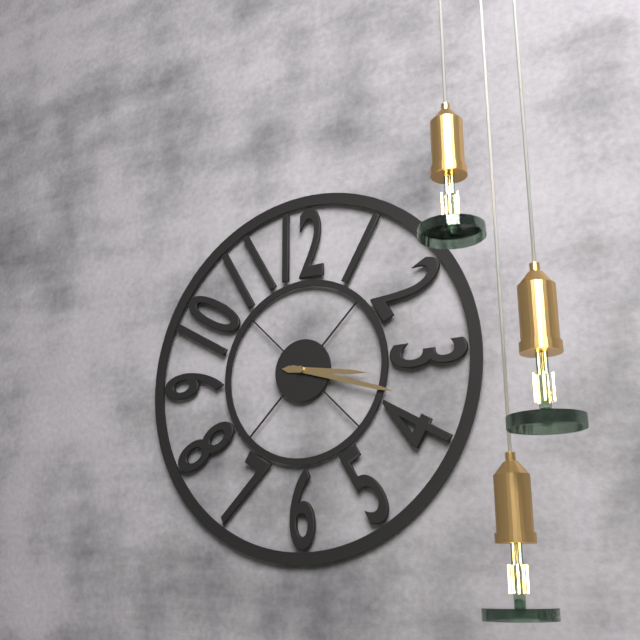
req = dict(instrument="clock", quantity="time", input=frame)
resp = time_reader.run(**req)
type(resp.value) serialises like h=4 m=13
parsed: h=3 m=18
